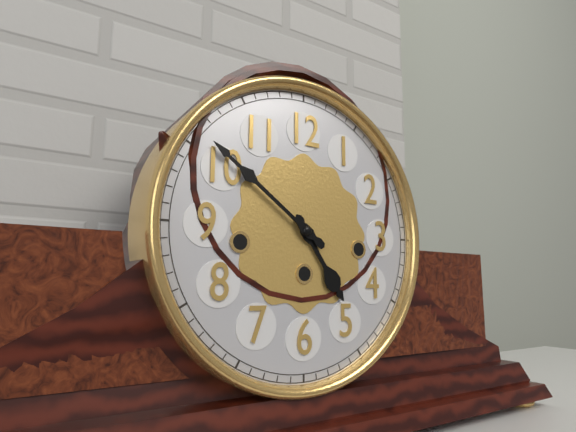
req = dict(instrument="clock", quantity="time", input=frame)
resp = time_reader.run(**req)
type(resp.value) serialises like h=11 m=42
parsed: h=4 m=51
